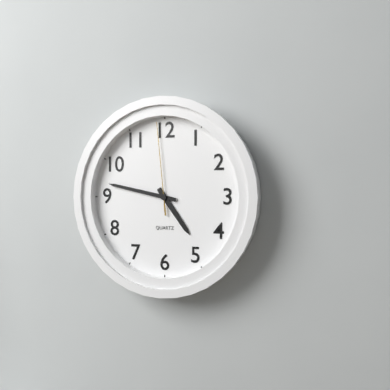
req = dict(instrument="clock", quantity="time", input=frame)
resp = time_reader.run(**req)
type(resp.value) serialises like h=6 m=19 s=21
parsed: h=4 m=47 s=59
